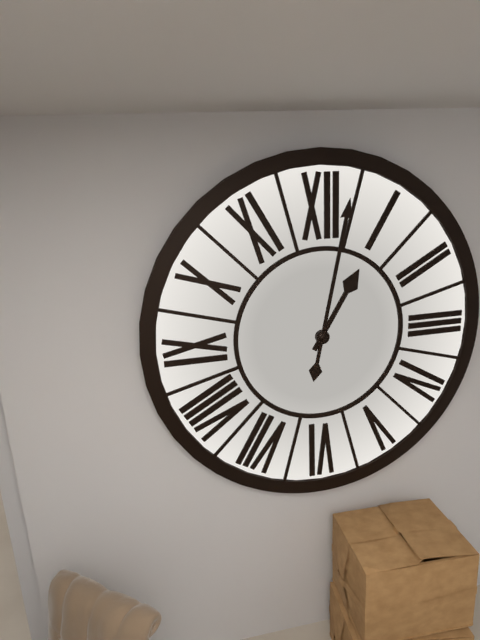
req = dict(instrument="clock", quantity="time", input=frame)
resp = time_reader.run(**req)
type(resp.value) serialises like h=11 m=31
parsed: h=1 m=2
